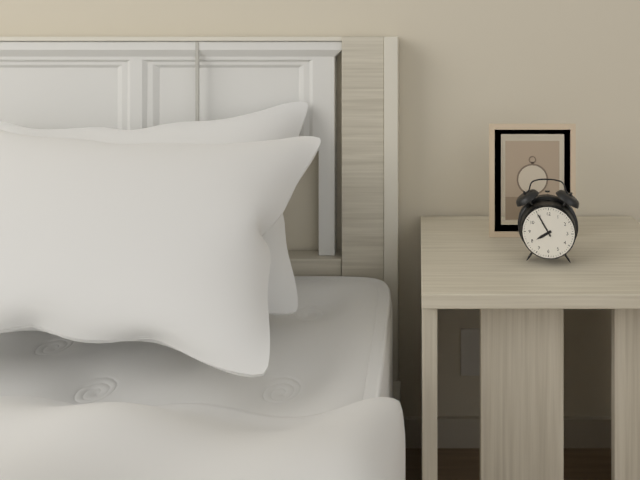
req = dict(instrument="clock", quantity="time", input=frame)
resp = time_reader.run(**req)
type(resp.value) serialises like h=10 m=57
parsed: h=7 m=55
